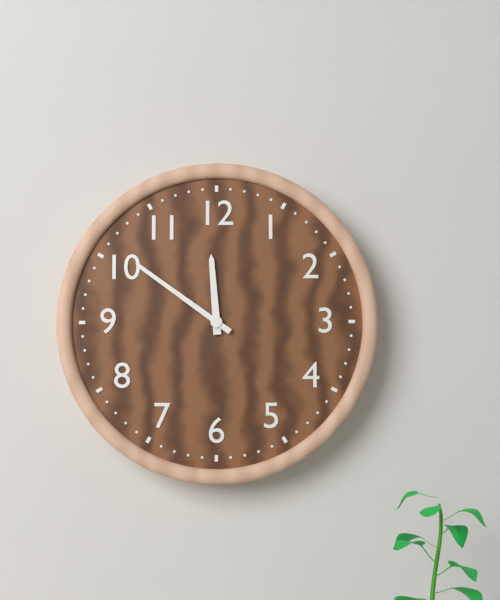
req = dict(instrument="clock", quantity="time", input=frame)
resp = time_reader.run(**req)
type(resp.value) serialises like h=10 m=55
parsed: h=11 m=51
